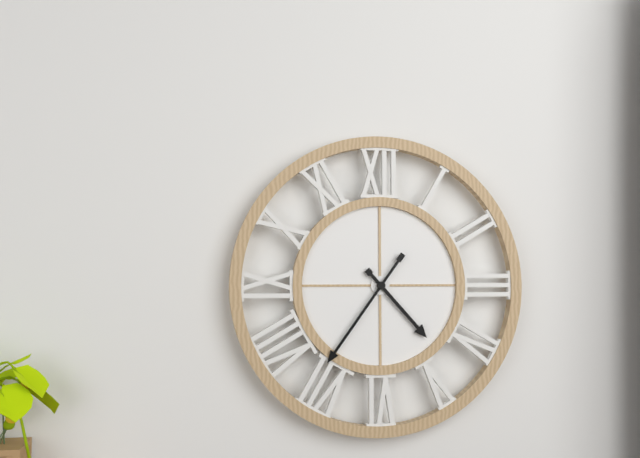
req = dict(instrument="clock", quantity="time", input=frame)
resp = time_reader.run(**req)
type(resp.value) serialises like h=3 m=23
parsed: h=4 m=36
